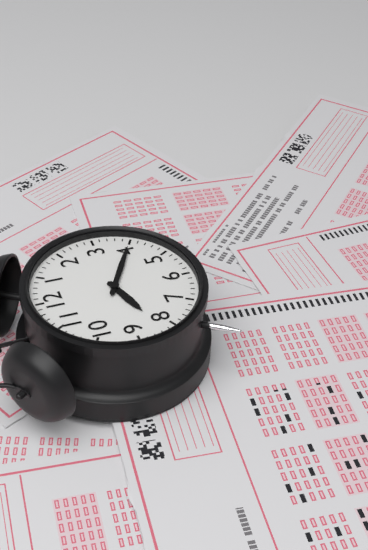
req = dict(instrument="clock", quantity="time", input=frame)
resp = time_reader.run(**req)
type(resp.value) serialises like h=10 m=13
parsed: h=8 m=20
